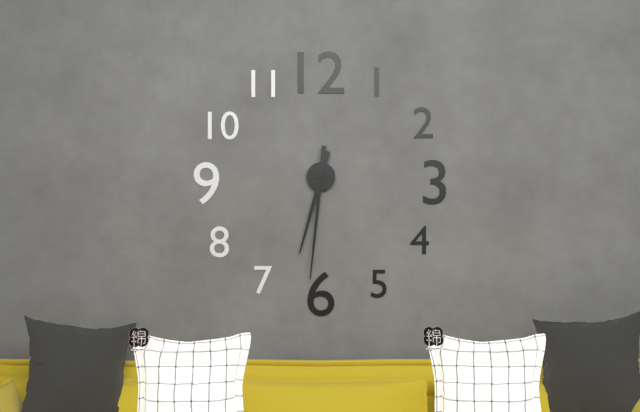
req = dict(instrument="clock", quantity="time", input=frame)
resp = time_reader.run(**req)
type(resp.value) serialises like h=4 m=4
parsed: h=6 m=31
